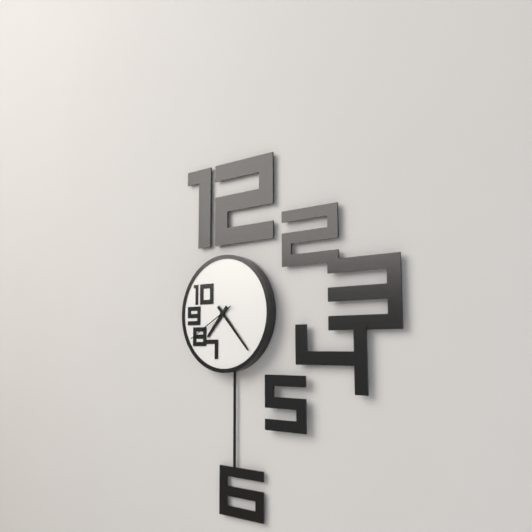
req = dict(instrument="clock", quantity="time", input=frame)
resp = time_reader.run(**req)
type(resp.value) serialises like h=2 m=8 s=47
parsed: h=7 m=23 s=40
